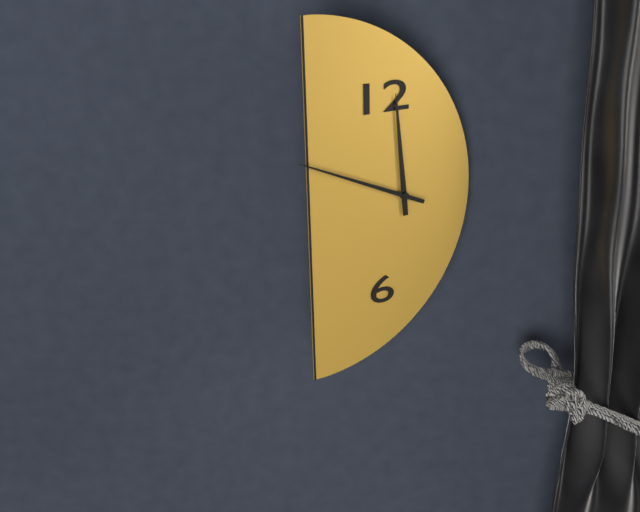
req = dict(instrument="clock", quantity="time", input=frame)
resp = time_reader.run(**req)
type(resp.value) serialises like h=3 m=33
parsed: h=11 m=49
